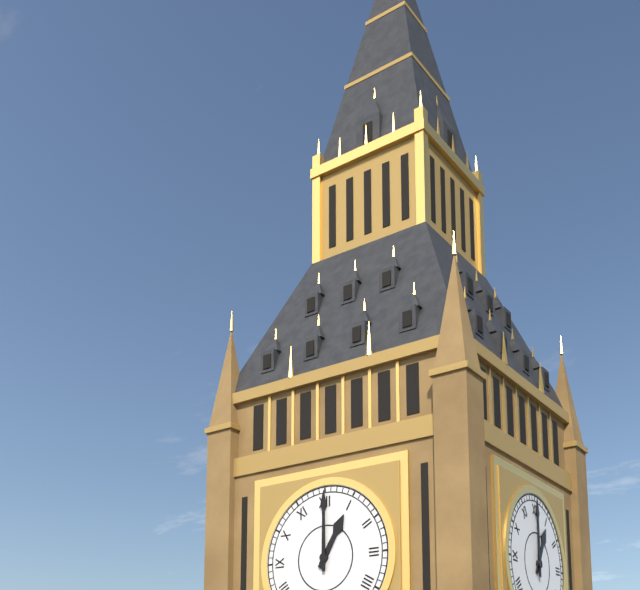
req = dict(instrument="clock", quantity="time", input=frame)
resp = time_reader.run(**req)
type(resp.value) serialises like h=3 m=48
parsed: h=1 m=0
